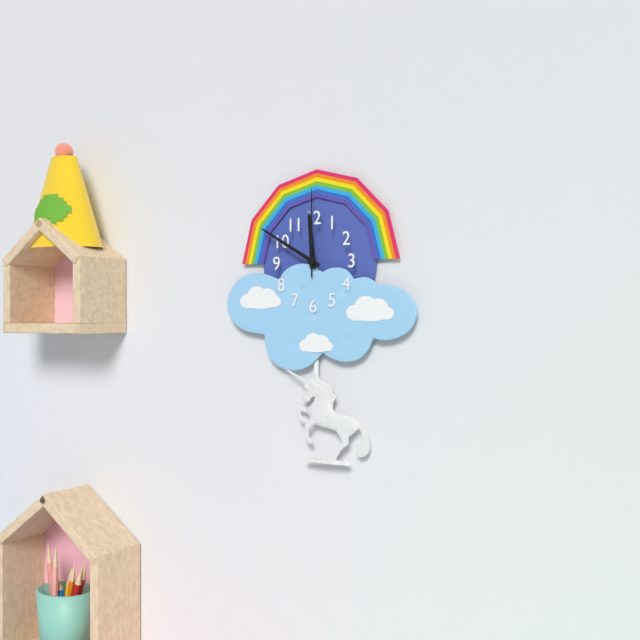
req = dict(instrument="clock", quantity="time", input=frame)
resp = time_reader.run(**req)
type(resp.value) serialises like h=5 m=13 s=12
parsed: h=11 m=50 s=0
